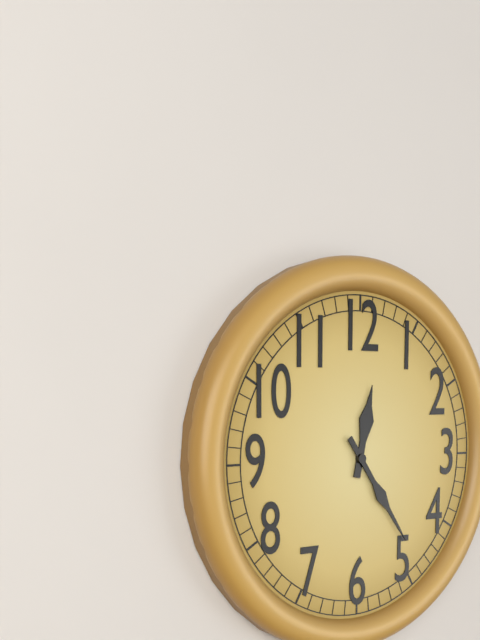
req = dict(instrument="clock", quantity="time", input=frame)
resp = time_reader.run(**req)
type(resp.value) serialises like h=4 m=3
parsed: h=12 m=24
